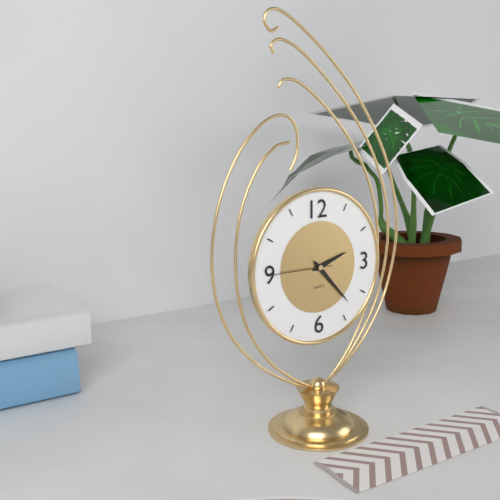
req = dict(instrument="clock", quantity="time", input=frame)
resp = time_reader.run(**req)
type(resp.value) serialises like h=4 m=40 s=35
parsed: h=2 m=23 s=45
